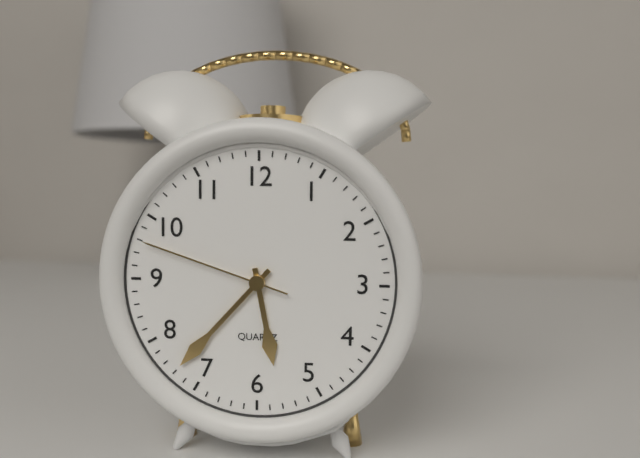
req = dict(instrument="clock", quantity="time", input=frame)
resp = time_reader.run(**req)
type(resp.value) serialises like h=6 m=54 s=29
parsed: h=5 m=37 s=48
